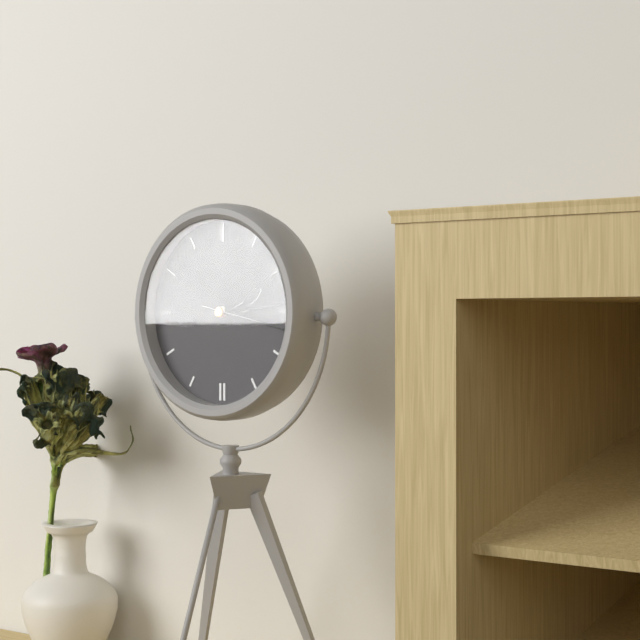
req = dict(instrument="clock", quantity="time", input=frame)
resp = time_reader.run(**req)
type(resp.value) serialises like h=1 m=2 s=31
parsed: h=2 m=14 s=17
